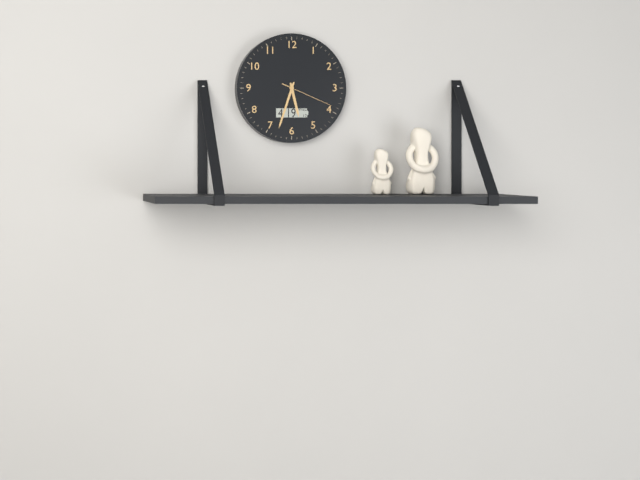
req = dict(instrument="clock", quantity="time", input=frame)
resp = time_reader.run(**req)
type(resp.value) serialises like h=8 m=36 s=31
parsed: h=5 m=33 s=19
